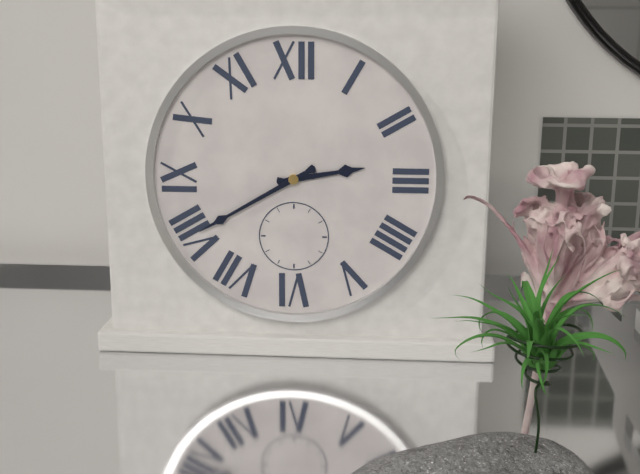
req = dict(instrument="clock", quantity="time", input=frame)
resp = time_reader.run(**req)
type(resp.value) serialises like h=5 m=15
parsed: h=2 m=40
